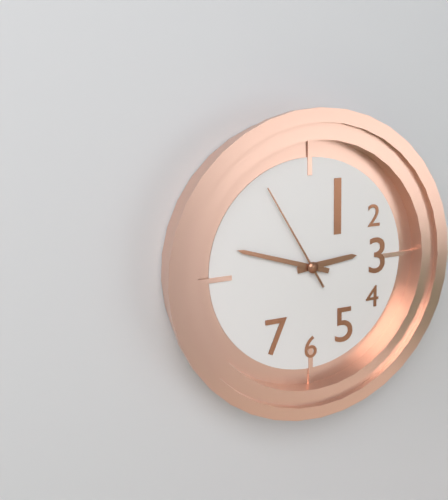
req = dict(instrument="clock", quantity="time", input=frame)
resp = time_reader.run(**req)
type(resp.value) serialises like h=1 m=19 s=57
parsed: h=2 m=48 s=55
